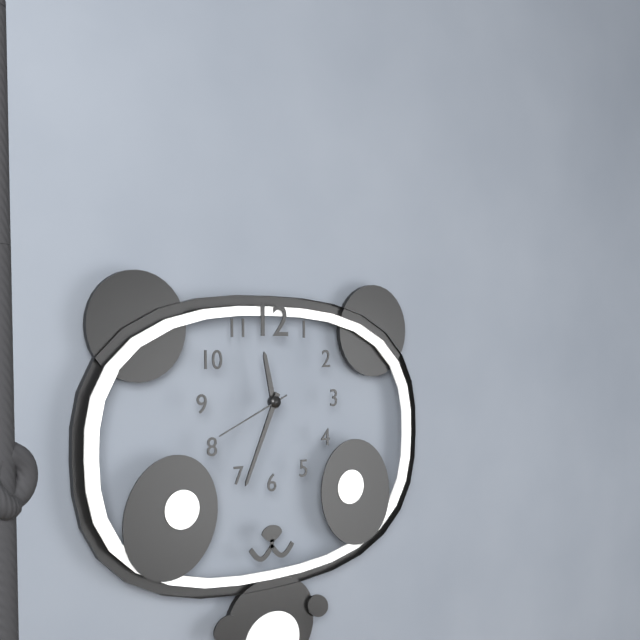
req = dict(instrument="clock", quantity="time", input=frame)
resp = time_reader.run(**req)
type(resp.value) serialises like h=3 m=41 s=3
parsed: h=11 m=34 s=41
